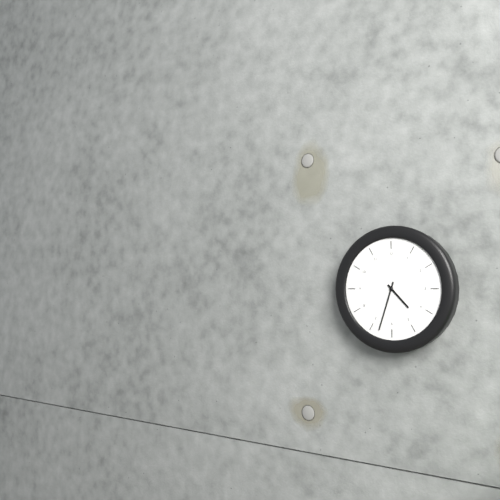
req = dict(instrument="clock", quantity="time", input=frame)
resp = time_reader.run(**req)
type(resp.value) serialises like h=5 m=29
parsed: h=4 m=33
